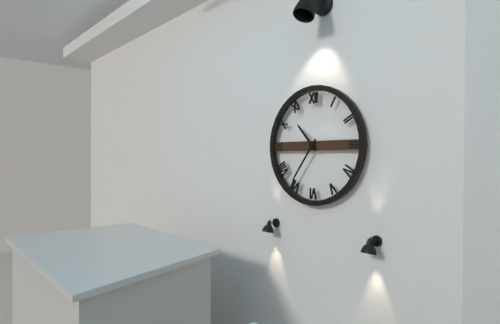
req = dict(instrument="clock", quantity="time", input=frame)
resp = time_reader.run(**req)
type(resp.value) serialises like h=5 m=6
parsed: h=10 m=36
